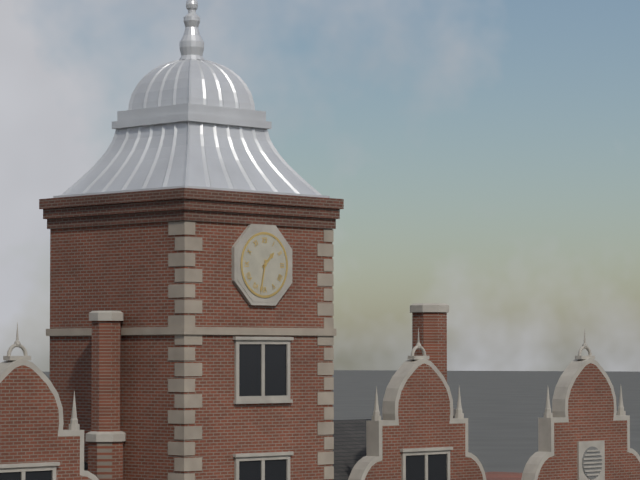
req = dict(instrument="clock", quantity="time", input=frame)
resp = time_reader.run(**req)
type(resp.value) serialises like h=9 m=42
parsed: h=1 m=32
